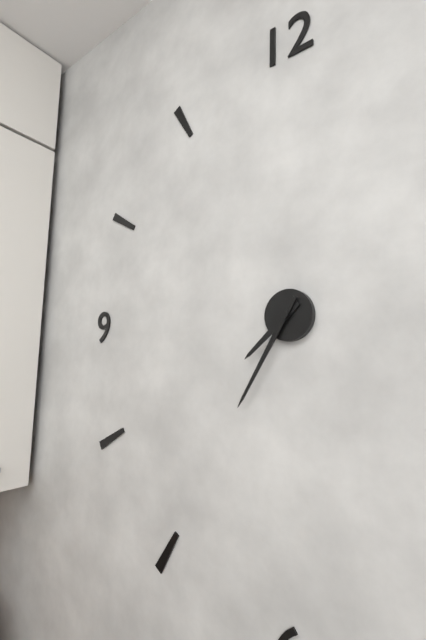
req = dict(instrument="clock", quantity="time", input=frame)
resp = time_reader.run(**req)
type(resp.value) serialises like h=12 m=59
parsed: h=7 m=35
